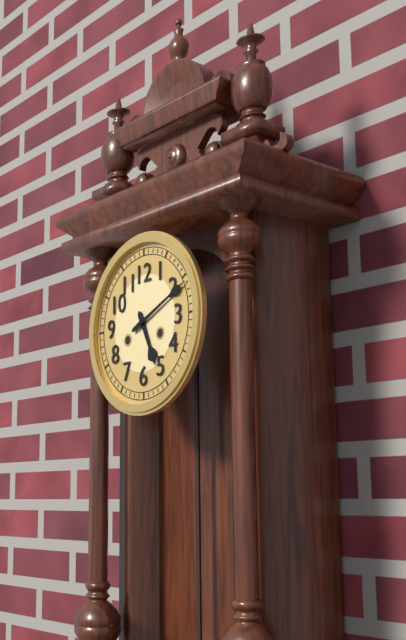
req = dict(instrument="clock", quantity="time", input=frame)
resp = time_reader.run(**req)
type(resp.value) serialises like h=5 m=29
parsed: h=5 m=11
